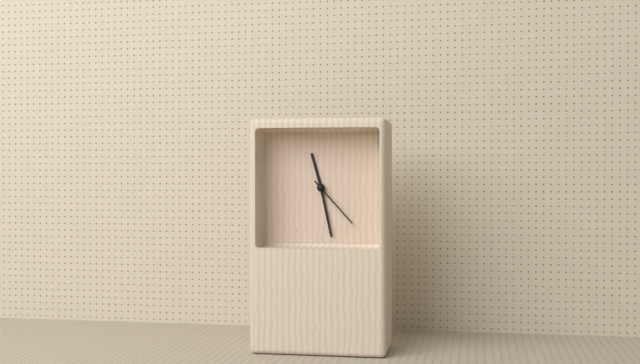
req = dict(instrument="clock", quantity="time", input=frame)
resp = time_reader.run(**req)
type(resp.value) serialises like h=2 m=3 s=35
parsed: h=11 m=28 s=23
